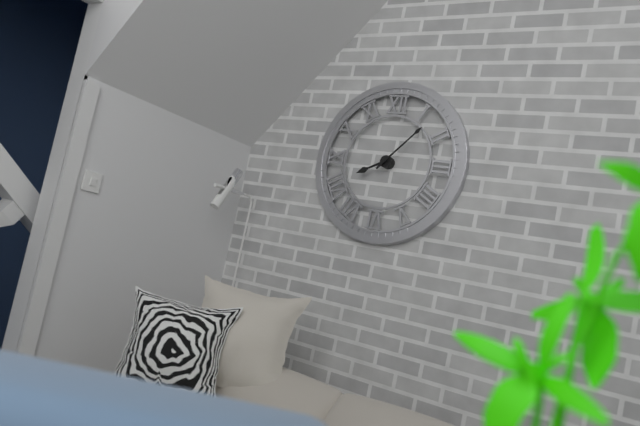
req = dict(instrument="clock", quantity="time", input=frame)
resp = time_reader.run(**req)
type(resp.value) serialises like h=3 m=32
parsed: h=8 m=7
